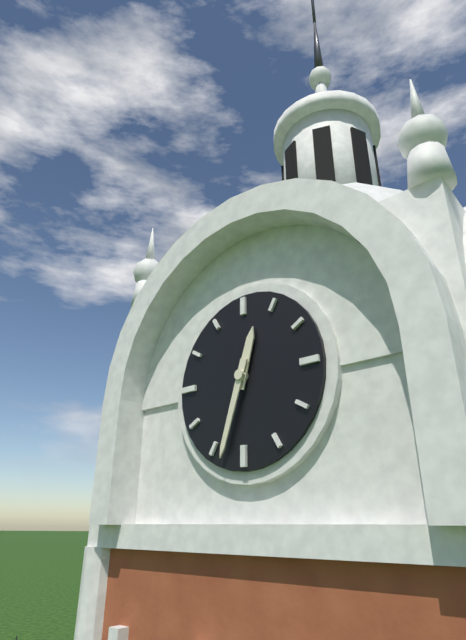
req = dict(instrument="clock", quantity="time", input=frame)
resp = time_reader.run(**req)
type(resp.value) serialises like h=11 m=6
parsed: h=12 m=33
